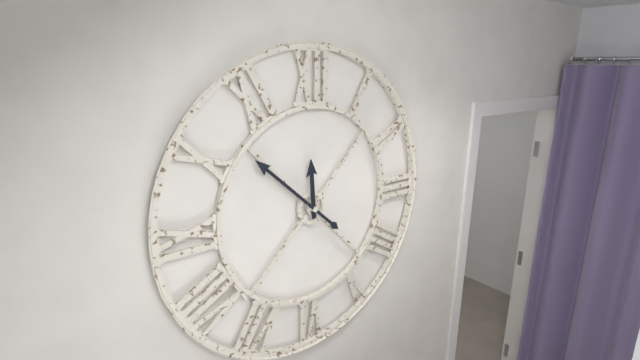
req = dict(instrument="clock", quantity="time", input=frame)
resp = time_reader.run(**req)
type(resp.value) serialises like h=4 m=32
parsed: h=11 m=52
